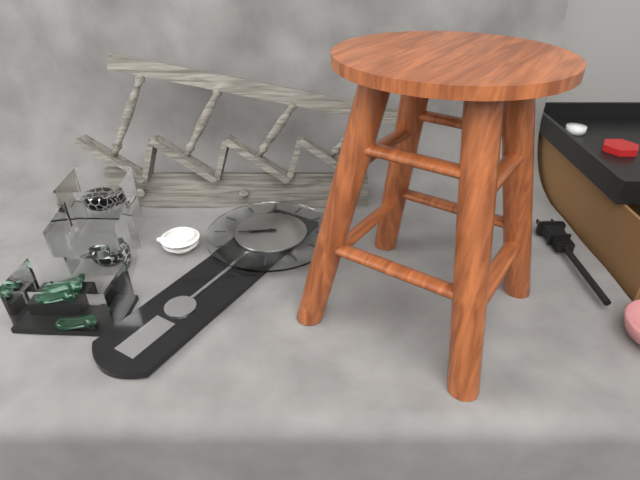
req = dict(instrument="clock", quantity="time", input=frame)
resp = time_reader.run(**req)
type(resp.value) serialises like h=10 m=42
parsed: h=7 m=39
